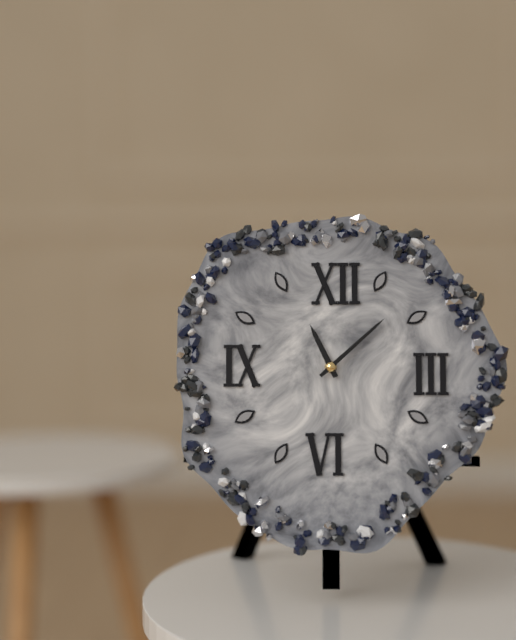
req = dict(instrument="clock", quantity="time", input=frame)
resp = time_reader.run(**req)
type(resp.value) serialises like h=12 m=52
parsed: h=11 m=8
